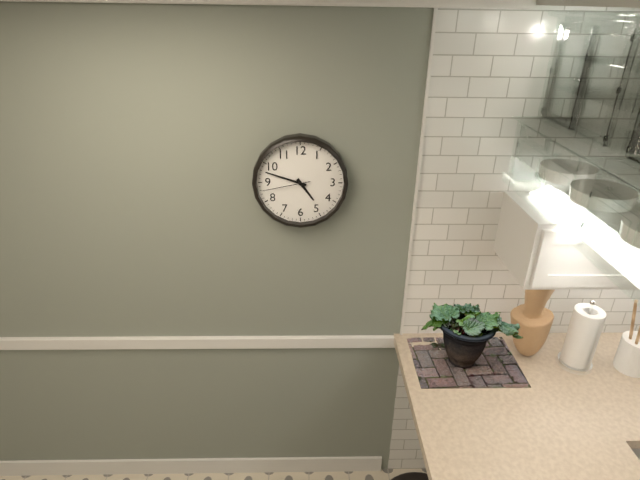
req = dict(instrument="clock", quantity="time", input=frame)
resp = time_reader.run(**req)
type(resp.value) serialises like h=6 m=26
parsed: h=4 m=48
